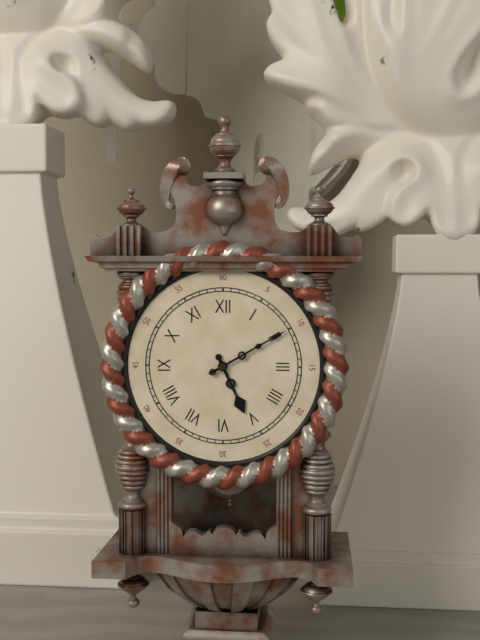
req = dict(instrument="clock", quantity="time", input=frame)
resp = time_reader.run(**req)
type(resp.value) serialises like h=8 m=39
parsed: h=5 m=10
